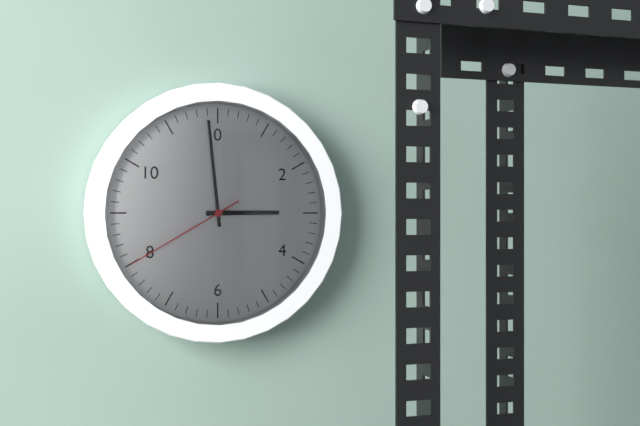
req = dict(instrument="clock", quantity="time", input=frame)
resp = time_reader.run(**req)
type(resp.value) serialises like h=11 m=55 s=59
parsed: h=2 m=59 s=40
